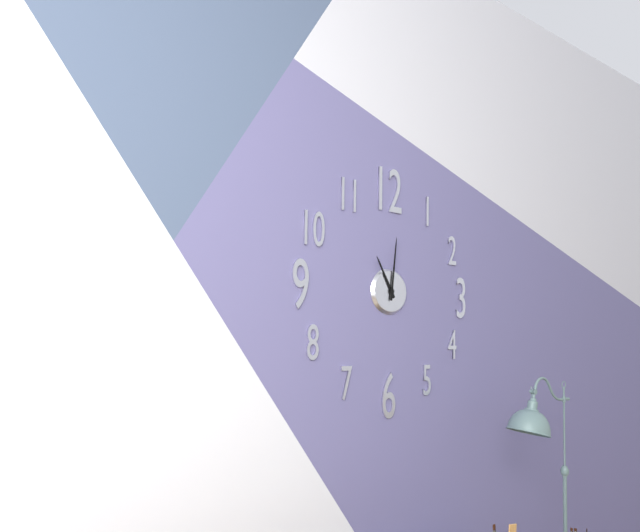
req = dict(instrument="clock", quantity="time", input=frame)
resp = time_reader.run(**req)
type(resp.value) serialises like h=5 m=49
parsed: h=11 m=1
